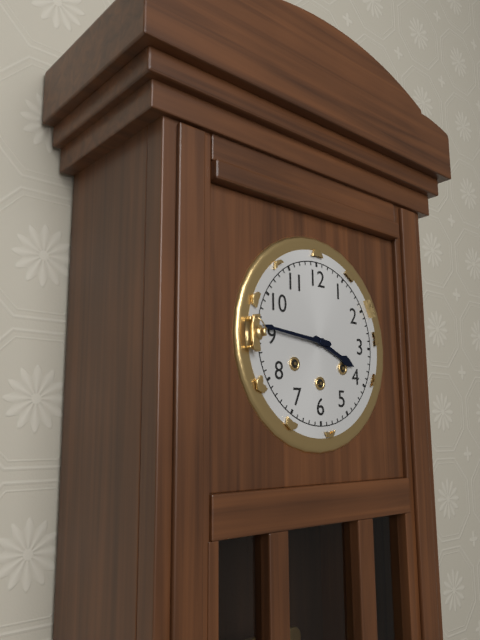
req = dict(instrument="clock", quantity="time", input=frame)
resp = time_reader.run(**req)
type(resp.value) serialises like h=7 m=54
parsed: h=3 m=46
